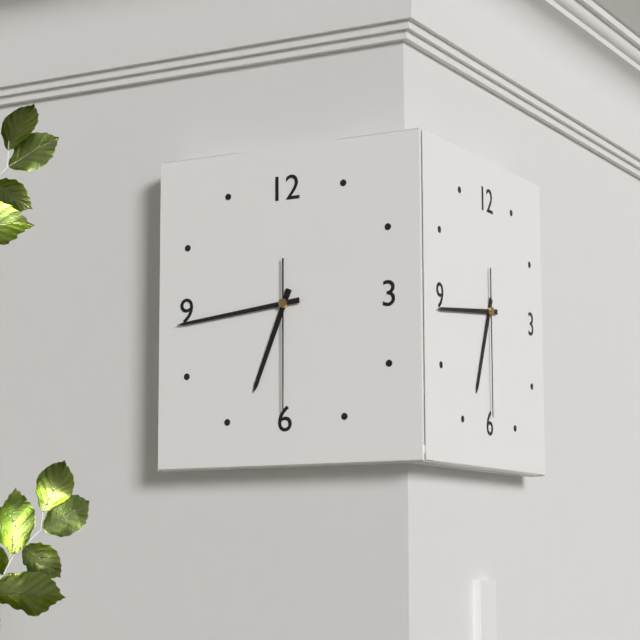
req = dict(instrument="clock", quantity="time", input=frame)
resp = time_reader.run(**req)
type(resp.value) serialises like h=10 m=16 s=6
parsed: h=6 m=44 s=30
